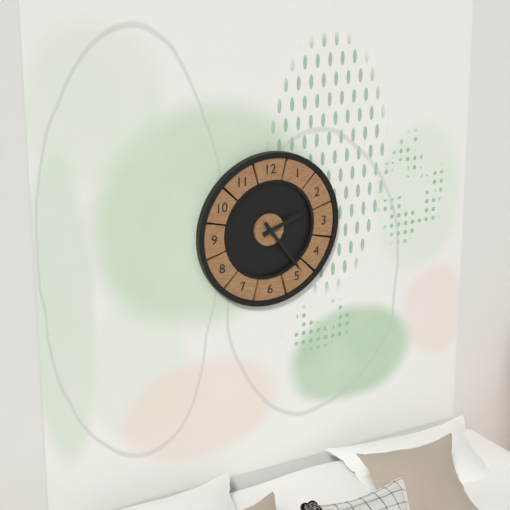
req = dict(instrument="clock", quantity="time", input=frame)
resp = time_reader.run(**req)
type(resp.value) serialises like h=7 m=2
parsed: h=2 m=24
